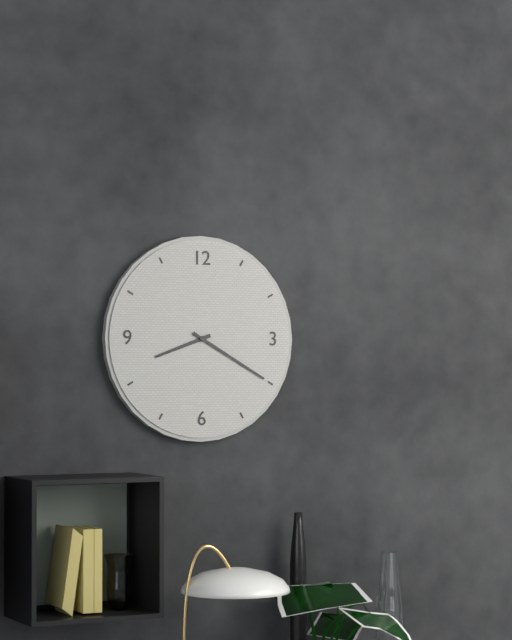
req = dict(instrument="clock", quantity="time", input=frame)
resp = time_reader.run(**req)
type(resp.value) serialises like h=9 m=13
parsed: h=8 m=20
